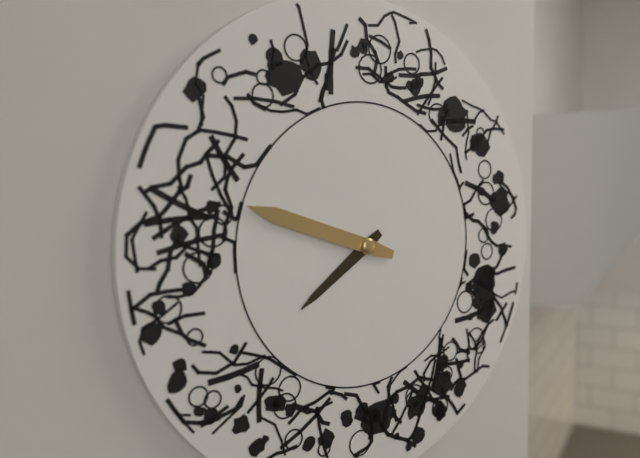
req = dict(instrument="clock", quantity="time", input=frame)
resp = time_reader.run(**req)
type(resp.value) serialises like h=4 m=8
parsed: h=7 m=48
